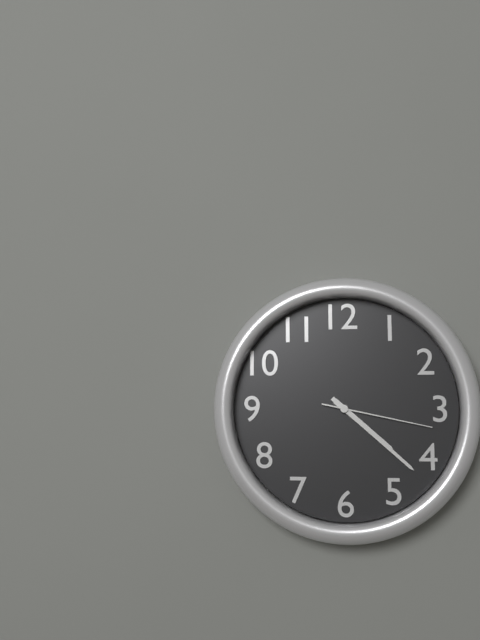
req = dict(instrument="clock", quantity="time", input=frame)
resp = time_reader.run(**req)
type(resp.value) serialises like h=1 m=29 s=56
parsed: h=4 m=22 s=17
